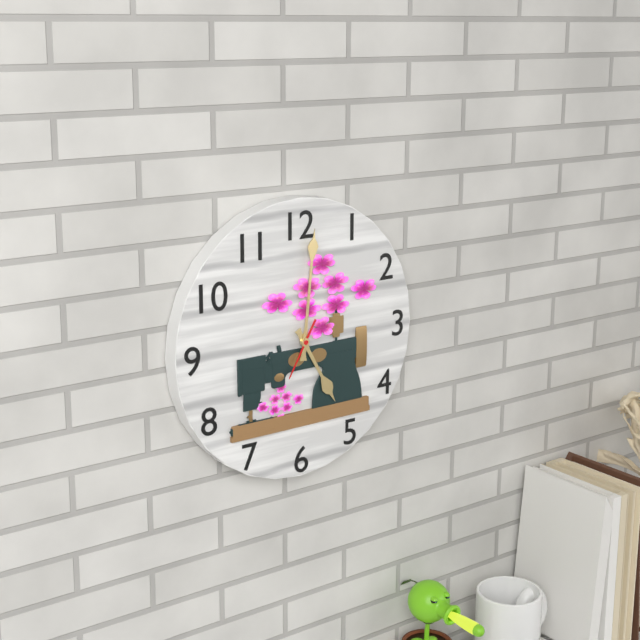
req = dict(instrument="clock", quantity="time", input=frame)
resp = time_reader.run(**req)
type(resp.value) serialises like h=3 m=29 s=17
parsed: h=5 m=1 s=35
